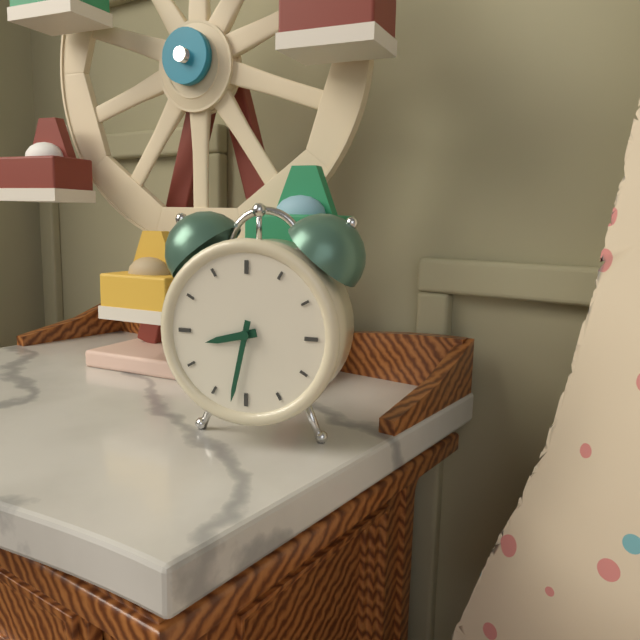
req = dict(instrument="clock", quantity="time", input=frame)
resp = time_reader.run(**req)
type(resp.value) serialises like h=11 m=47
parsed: h=8 m=32
